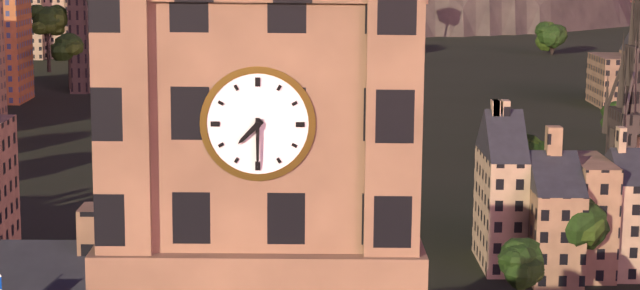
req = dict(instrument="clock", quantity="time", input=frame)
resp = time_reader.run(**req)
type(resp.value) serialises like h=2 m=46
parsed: h=7 m=30
